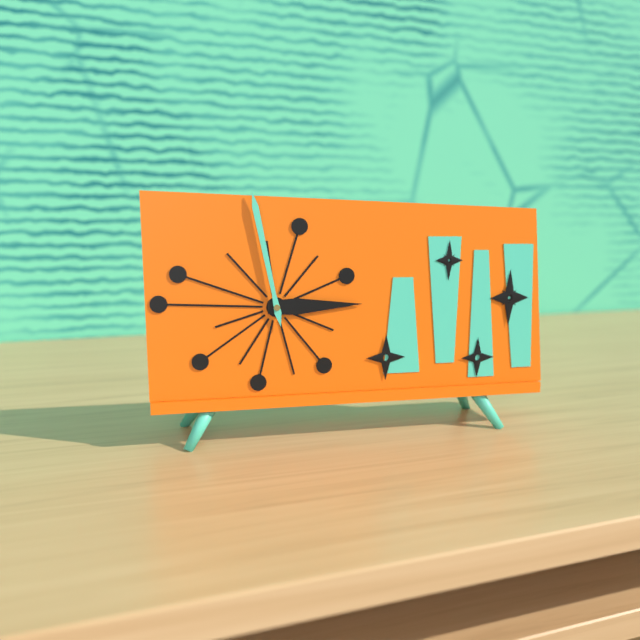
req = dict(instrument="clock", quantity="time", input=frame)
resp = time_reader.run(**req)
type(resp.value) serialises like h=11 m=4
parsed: h=2 m=58
